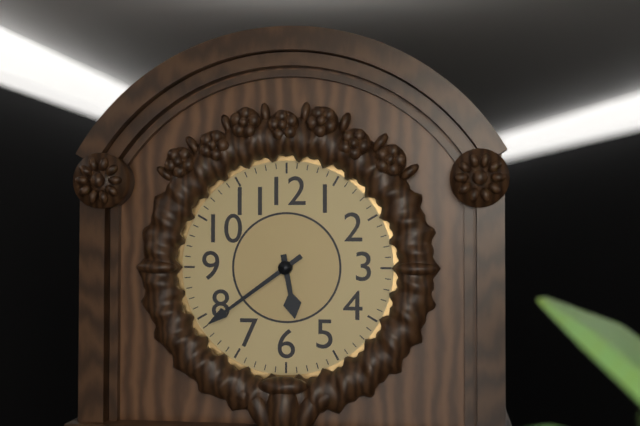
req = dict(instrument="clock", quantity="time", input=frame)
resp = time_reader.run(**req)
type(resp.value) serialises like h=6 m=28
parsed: h=5 m=39
